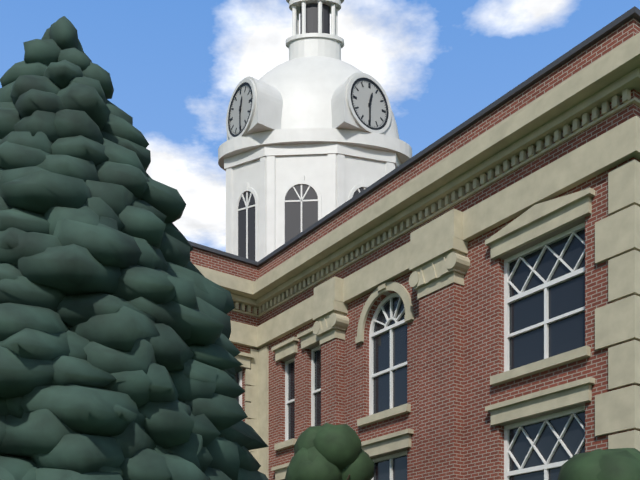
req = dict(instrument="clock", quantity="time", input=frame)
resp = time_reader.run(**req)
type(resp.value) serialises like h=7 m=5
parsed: h=12 m=30
